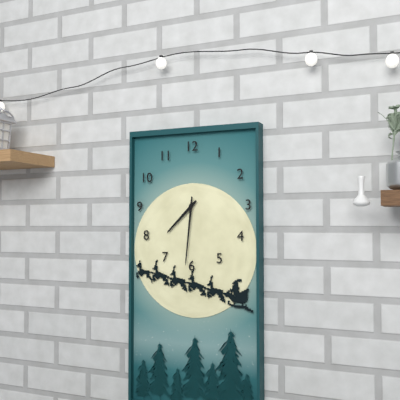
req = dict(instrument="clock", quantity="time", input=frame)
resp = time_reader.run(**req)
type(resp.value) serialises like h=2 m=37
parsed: h=7 m=31
